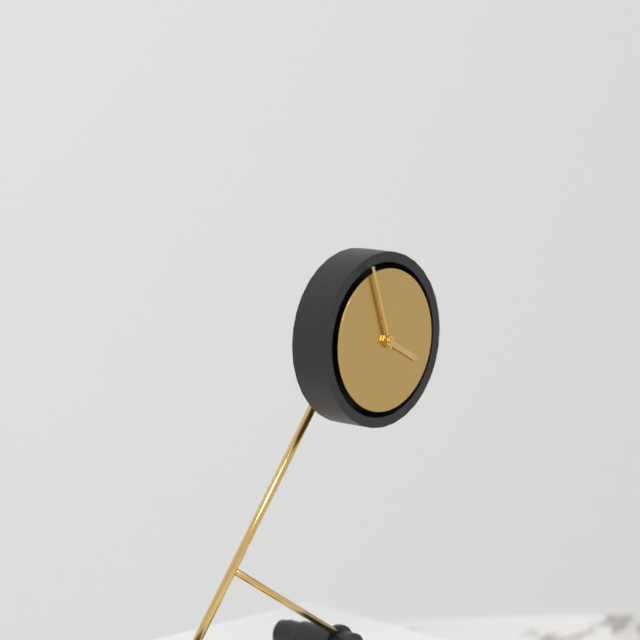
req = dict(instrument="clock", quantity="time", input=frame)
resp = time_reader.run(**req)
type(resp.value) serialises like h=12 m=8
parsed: h=3 m=57
